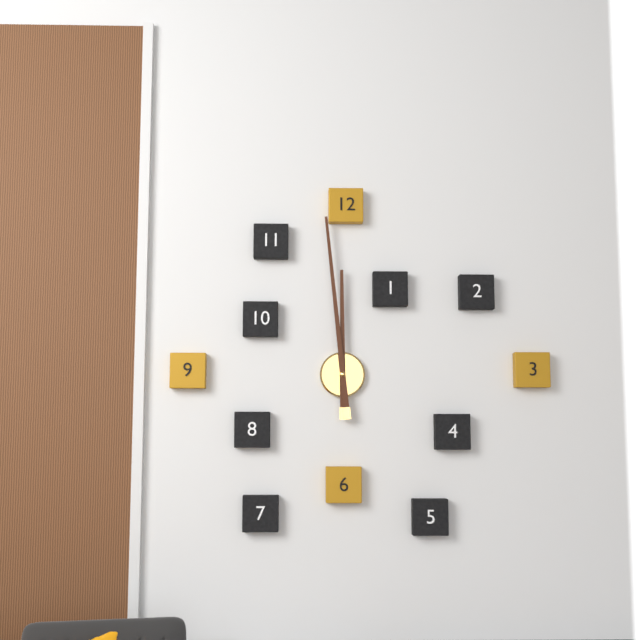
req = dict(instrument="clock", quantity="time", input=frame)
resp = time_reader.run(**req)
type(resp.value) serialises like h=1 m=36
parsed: h=11 m=59
